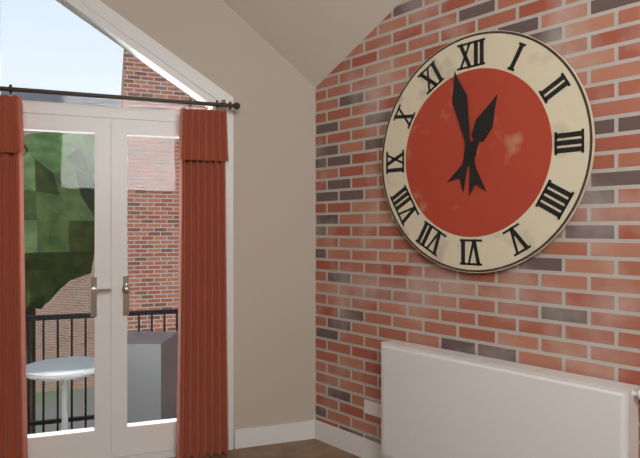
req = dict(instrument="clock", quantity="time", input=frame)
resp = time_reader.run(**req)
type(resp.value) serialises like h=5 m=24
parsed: h=12 m=58
